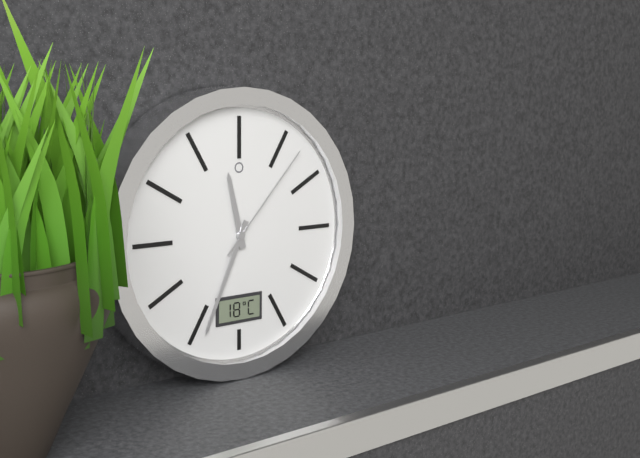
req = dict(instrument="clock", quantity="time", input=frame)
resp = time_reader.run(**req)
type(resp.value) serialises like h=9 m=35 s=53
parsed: h=11 m=34 s=7
